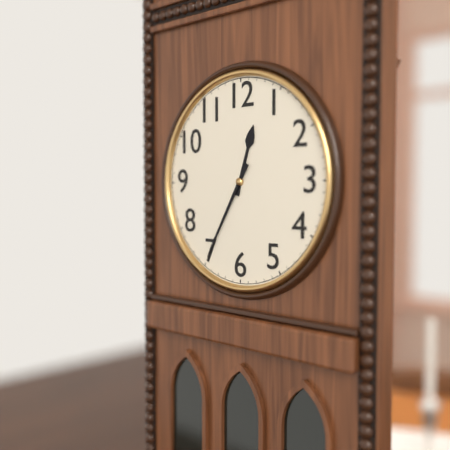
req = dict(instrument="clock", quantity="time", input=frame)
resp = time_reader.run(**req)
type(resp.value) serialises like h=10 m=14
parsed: h=12 m=35
